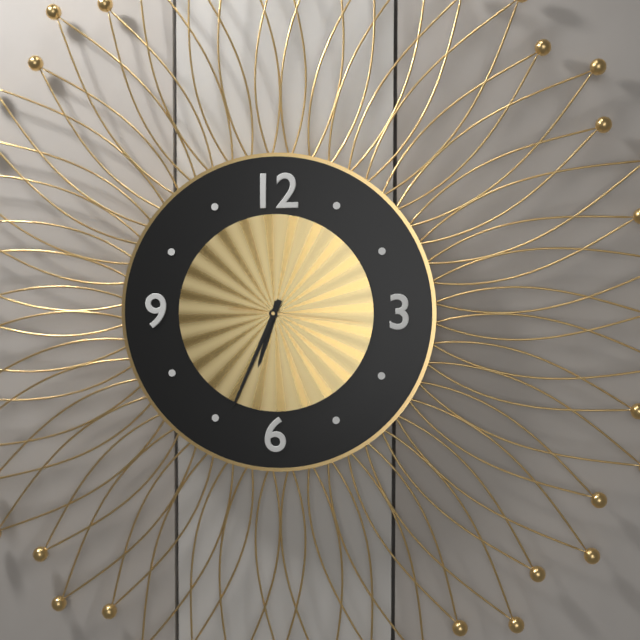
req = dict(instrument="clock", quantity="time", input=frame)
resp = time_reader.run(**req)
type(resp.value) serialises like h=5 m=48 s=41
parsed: h=6 m=34 s=16
